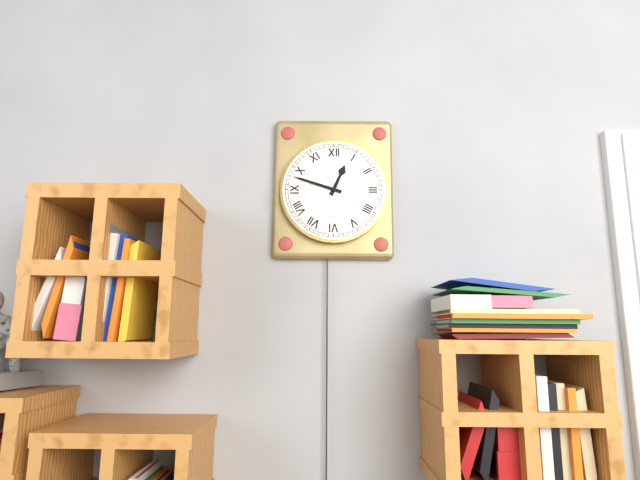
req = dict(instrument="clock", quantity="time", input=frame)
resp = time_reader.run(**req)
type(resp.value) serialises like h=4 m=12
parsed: h=12 m=48
